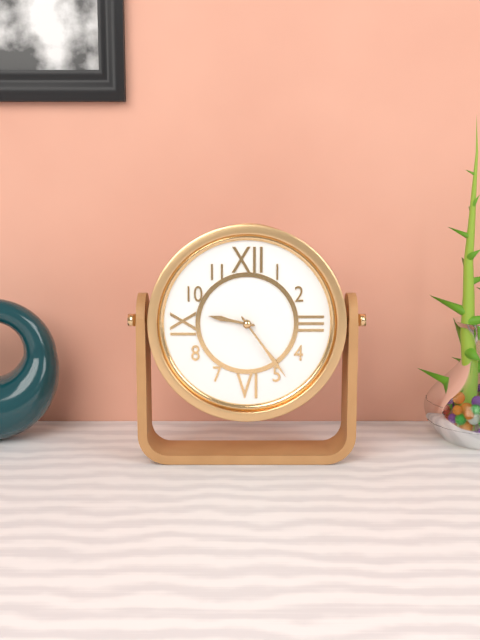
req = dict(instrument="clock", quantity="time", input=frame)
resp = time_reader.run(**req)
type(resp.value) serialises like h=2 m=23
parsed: h=9 m=24
